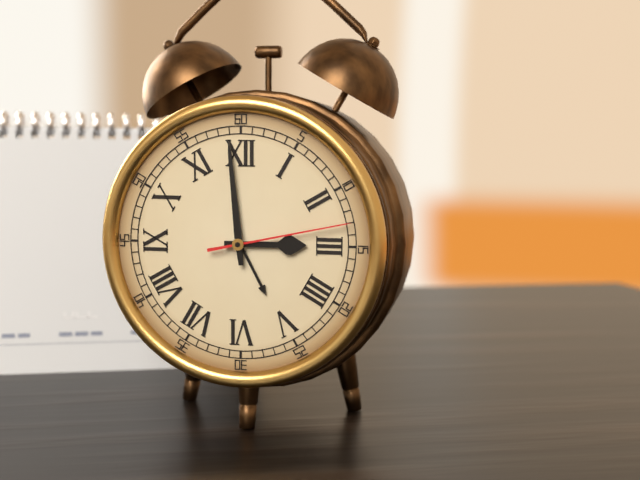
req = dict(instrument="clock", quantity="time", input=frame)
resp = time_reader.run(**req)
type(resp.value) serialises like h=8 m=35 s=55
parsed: h=2 m=59 s=13
